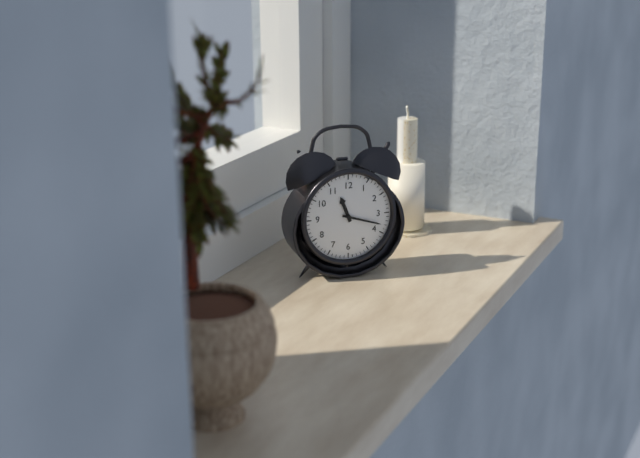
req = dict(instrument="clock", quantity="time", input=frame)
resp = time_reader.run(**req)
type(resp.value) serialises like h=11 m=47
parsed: h=11 m=18
